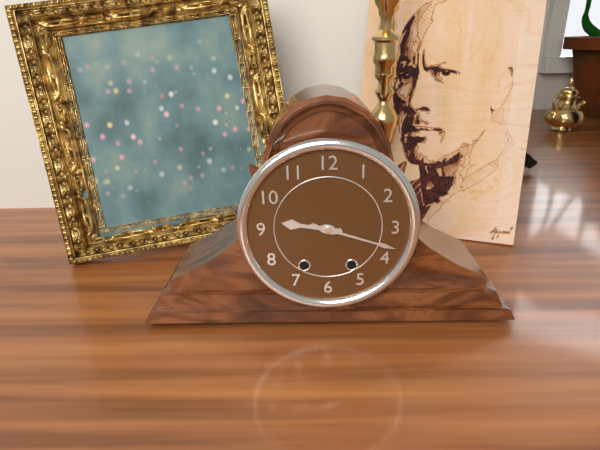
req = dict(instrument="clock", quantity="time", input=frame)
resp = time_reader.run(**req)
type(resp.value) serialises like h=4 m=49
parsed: h=9 m=18
